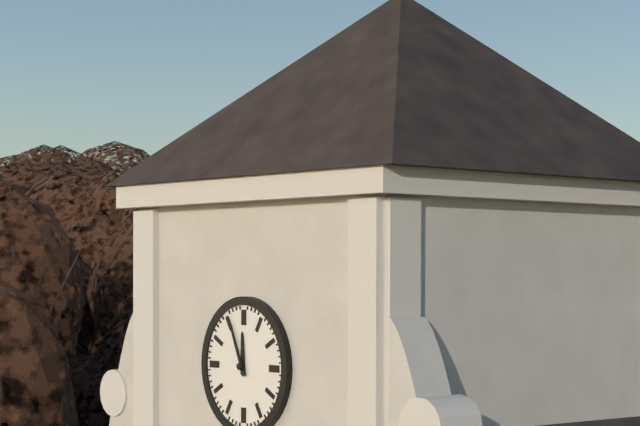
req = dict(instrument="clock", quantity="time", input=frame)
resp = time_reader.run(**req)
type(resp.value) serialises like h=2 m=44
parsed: h=11 m=56
